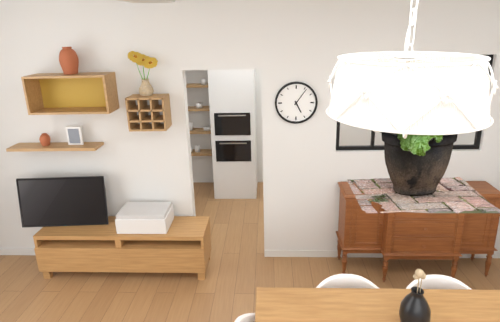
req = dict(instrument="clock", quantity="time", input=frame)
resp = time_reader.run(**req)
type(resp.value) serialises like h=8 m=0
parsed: h=5 m=6
